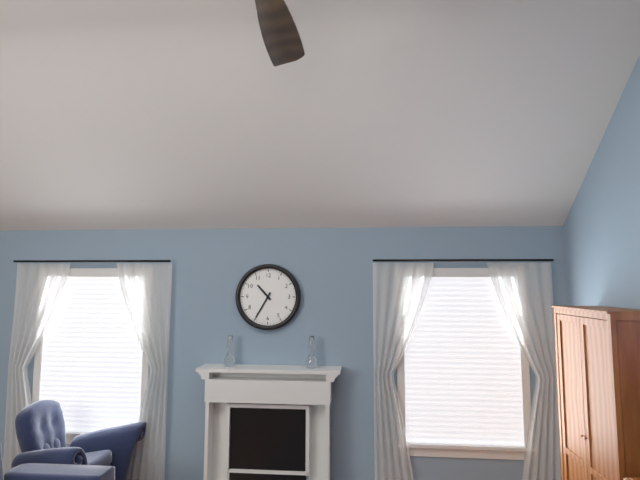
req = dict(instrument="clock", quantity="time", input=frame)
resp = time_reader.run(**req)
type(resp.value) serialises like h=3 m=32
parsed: h=10 m=35
